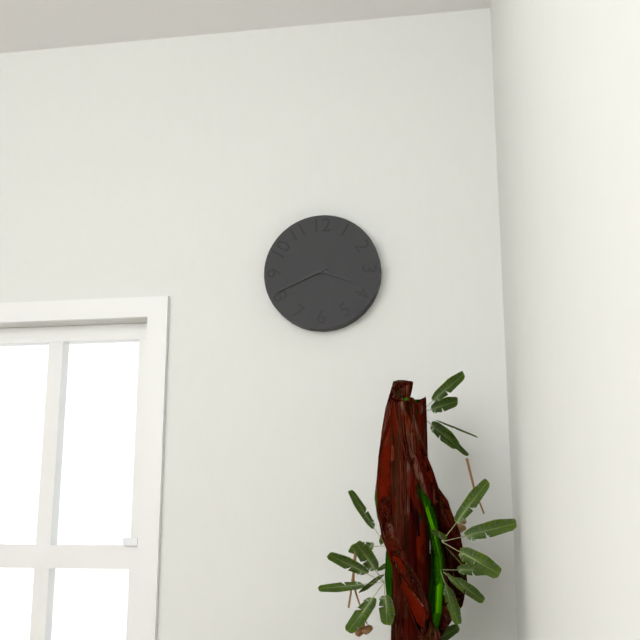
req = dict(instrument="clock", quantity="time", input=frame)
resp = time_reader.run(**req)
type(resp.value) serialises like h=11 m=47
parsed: h=3 m=41
